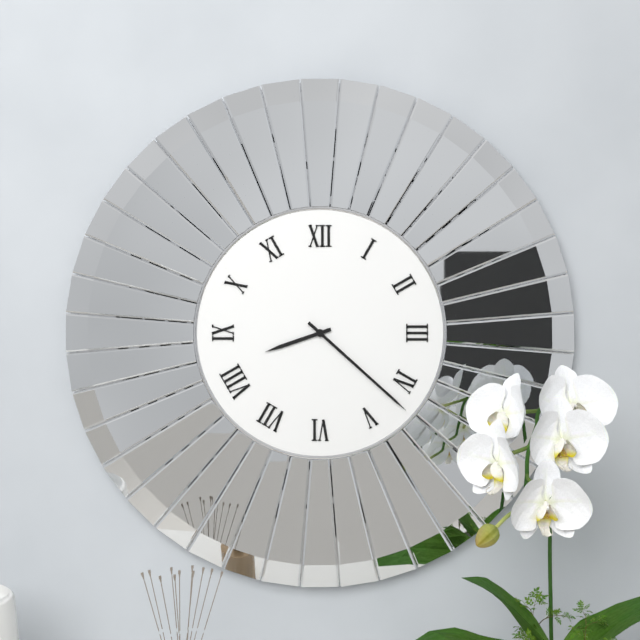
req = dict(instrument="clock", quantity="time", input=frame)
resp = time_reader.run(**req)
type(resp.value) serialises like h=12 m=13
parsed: h=8 m=22
